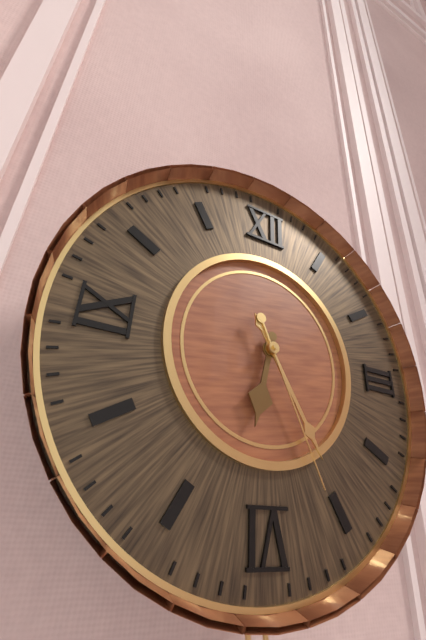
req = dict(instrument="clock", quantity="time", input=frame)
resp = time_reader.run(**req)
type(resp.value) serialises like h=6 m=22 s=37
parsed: h=6 m=25 s=26
